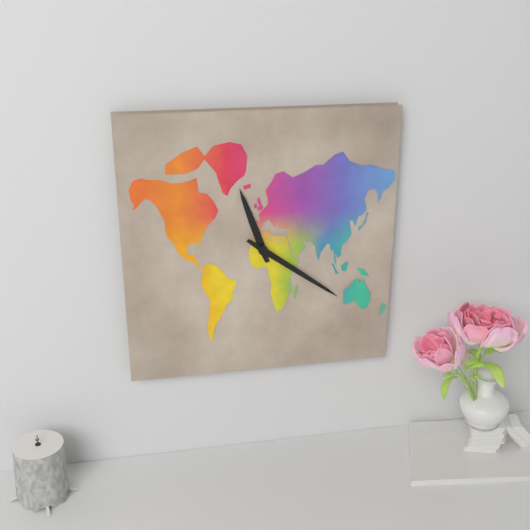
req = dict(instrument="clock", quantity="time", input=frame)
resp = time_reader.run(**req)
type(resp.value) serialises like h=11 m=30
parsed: h=11 m=21
